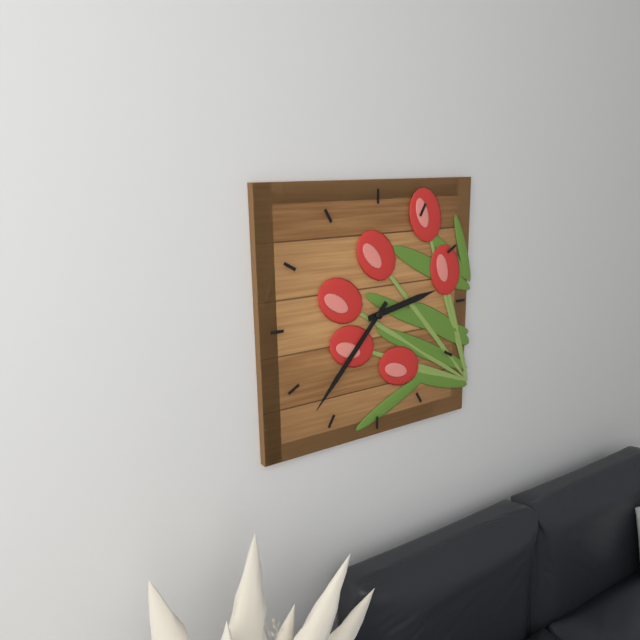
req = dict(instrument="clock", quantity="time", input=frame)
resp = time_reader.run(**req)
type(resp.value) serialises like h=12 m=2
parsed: h=2 m=37
